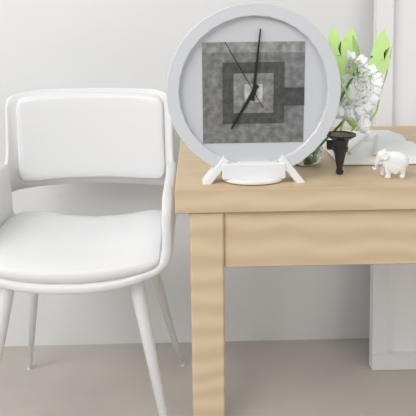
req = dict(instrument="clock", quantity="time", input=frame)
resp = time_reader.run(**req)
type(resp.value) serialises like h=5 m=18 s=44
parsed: h=7 m=1 s=55
